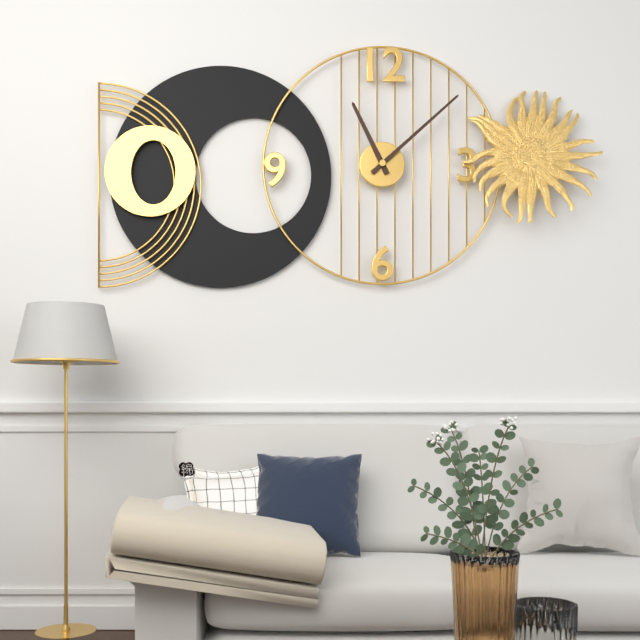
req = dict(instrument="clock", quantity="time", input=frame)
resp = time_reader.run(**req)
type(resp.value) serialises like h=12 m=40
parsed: h=11 m=8
